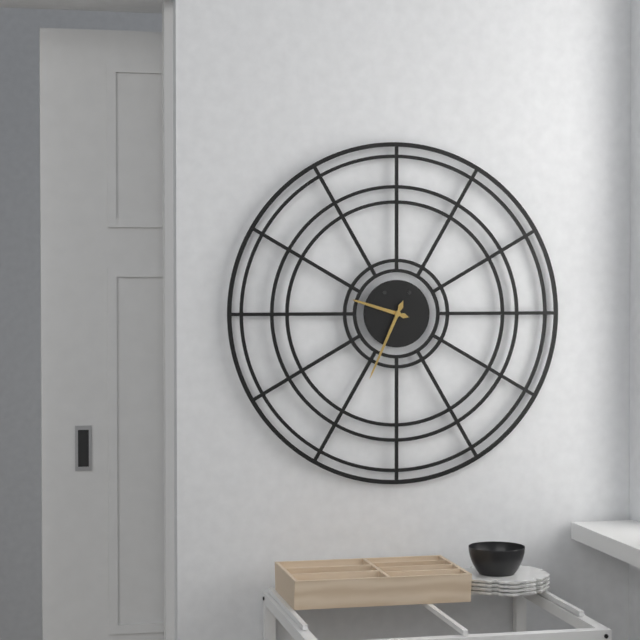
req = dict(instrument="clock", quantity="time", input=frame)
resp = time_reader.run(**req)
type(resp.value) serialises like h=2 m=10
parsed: h=9 m=34
